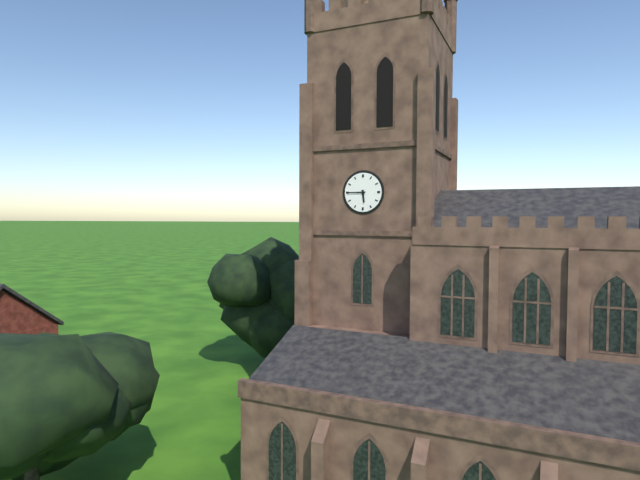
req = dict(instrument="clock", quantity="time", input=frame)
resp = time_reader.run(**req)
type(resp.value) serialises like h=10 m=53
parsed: h=5 m=45
